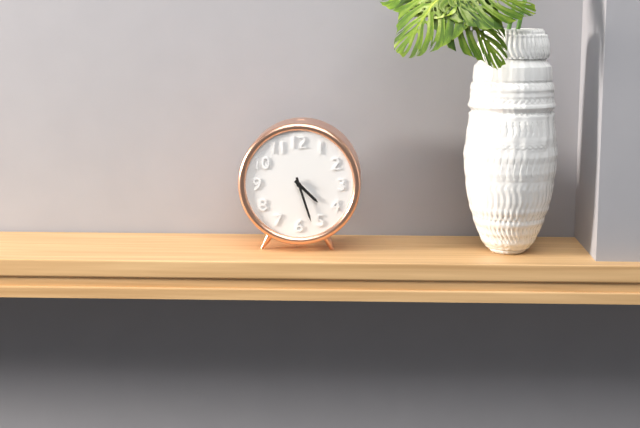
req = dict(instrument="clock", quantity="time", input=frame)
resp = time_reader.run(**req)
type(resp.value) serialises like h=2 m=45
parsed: h=4 m=27
